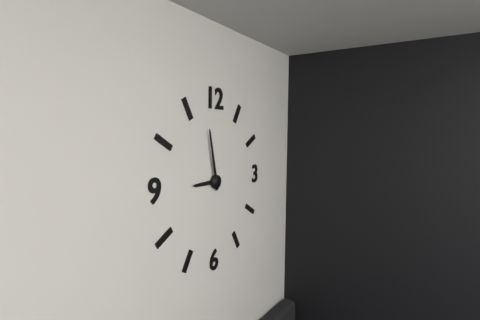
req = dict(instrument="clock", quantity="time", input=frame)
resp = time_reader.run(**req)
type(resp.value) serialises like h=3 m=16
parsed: h=8 m=58
